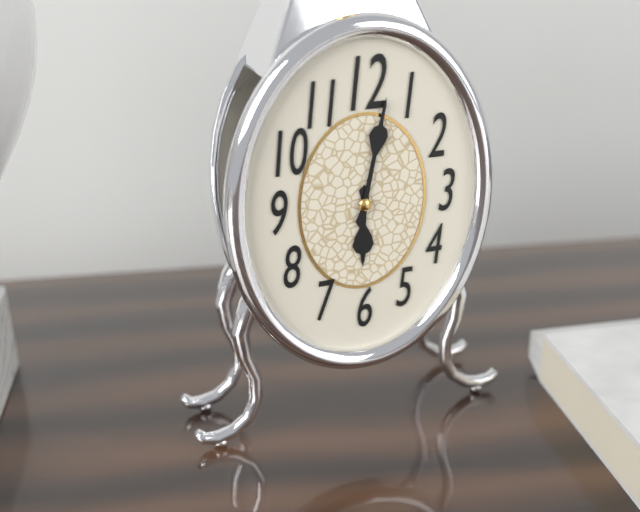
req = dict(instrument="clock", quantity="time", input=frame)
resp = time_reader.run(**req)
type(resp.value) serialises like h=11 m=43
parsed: h=6 m=2
